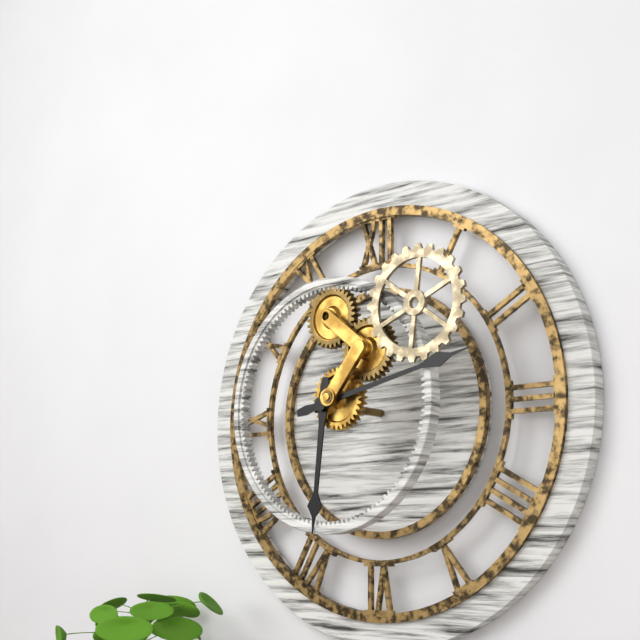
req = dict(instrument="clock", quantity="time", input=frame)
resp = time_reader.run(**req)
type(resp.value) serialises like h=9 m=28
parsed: h=6 m=13
